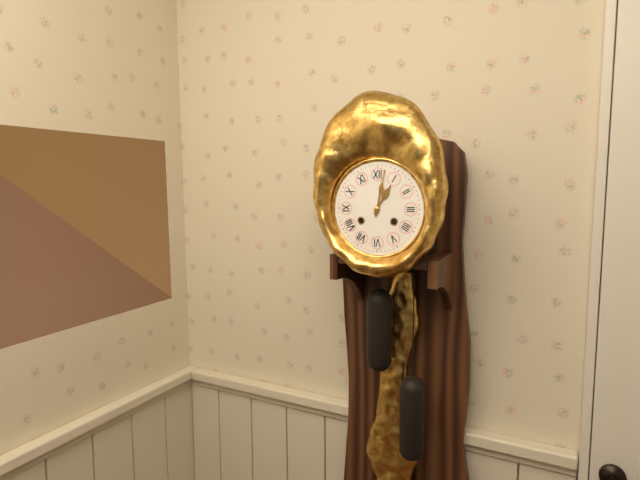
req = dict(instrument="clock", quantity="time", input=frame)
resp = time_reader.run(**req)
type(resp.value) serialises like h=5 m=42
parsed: h=1 m=2
